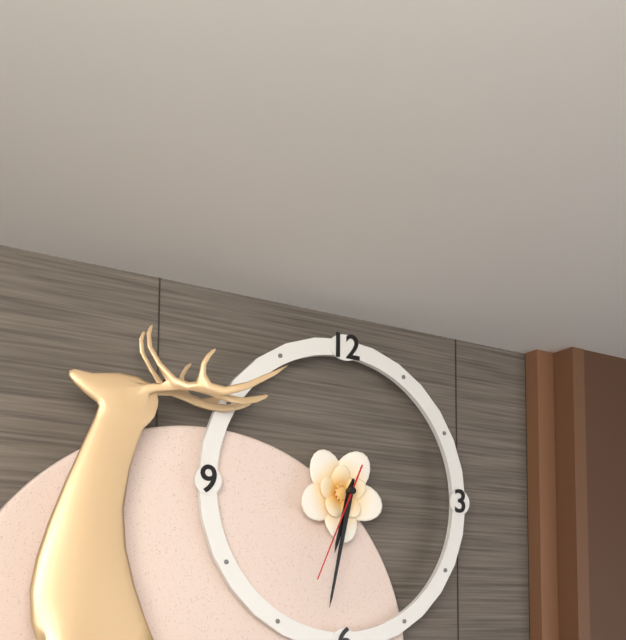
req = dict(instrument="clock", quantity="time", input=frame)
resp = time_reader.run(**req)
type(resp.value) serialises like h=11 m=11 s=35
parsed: h=6 m=32 s=34
